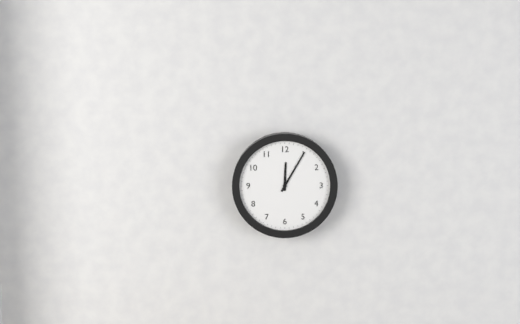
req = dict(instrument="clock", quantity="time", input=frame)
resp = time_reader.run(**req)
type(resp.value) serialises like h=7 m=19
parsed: h=12 m=5
